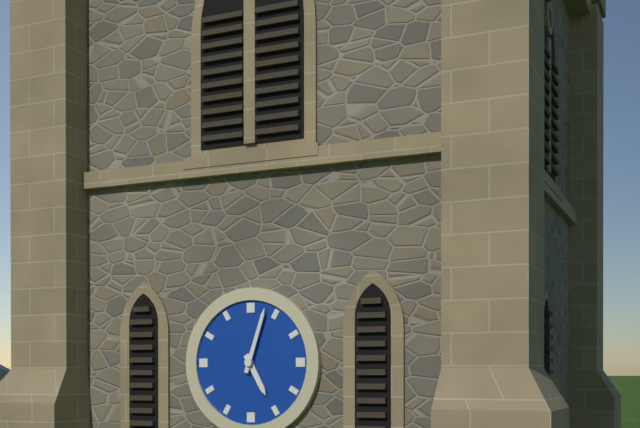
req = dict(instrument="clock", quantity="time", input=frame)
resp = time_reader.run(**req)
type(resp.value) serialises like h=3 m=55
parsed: h=5 m=3
